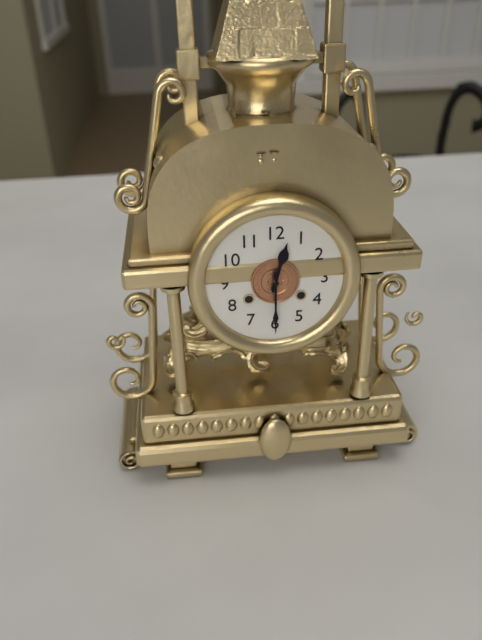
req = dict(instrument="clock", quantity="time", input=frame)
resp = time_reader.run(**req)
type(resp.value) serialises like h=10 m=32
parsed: h=12 m=30
